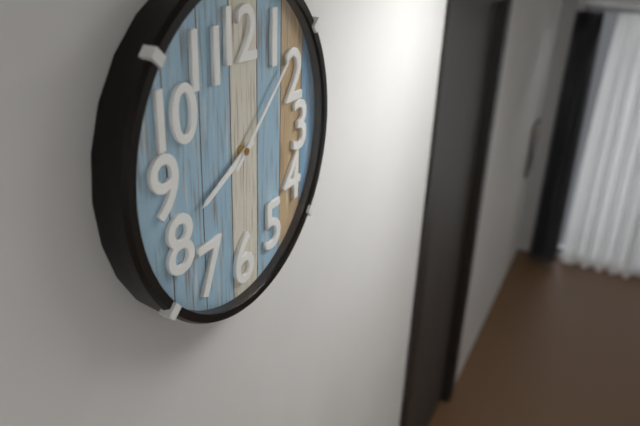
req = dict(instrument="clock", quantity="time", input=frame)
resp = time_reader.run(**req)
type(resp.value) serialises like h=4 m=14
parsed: h=8 m=8
